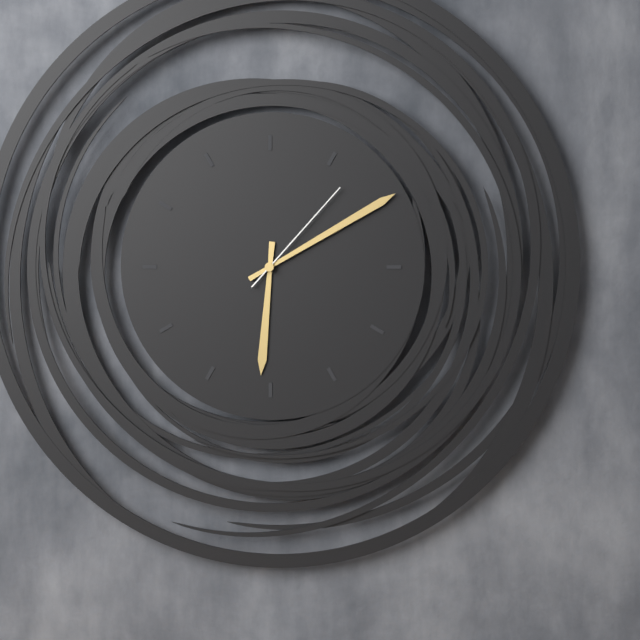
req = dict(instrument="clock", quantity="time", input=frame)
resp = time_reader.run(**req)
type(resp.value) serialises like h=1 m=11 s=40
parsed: h=6 m=10 s=7
